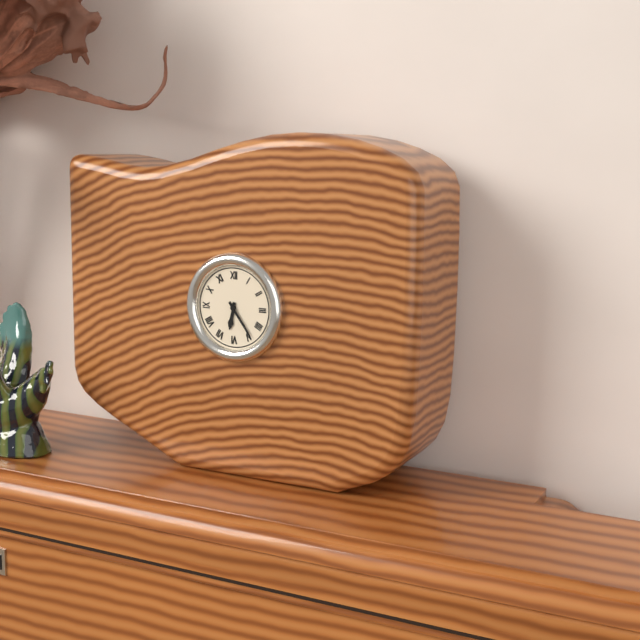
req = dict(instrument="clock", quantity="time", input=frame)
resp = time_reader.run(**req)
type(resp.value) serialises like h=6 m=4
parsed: h=6 m=24
